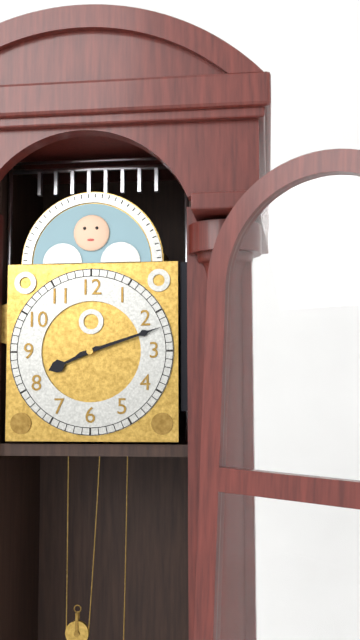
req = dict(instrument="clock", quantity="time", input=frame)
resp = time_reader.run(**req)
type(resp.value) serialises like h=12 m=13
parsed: h=8 m=12
